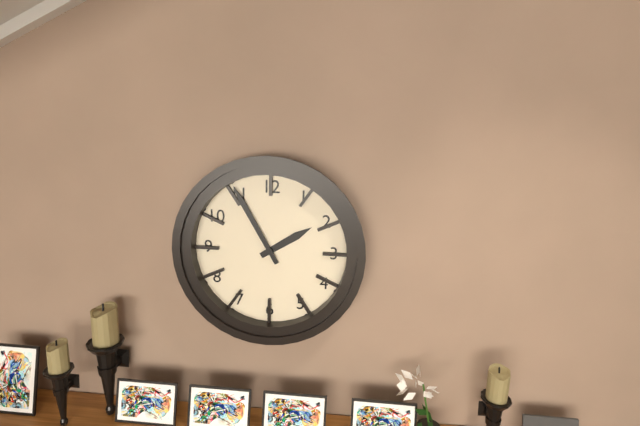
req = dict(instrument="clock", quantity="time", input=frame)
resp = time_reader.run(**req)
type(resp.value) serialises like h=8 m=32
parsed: h=1 m=55
